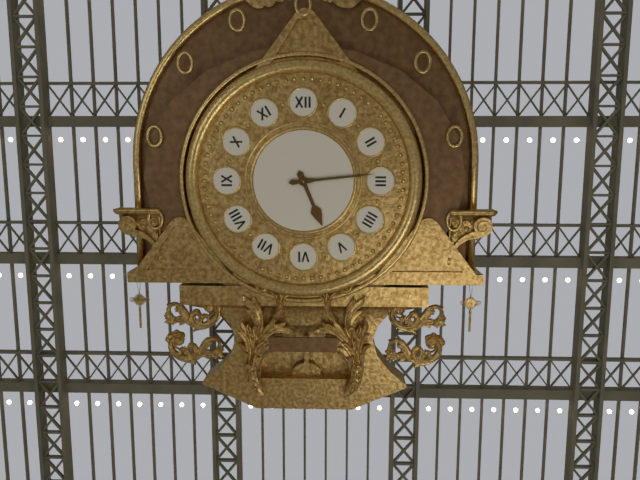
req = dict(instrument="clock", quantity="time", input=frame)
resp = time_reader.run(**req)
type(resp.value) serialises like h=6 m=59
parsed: h=5 m=14
